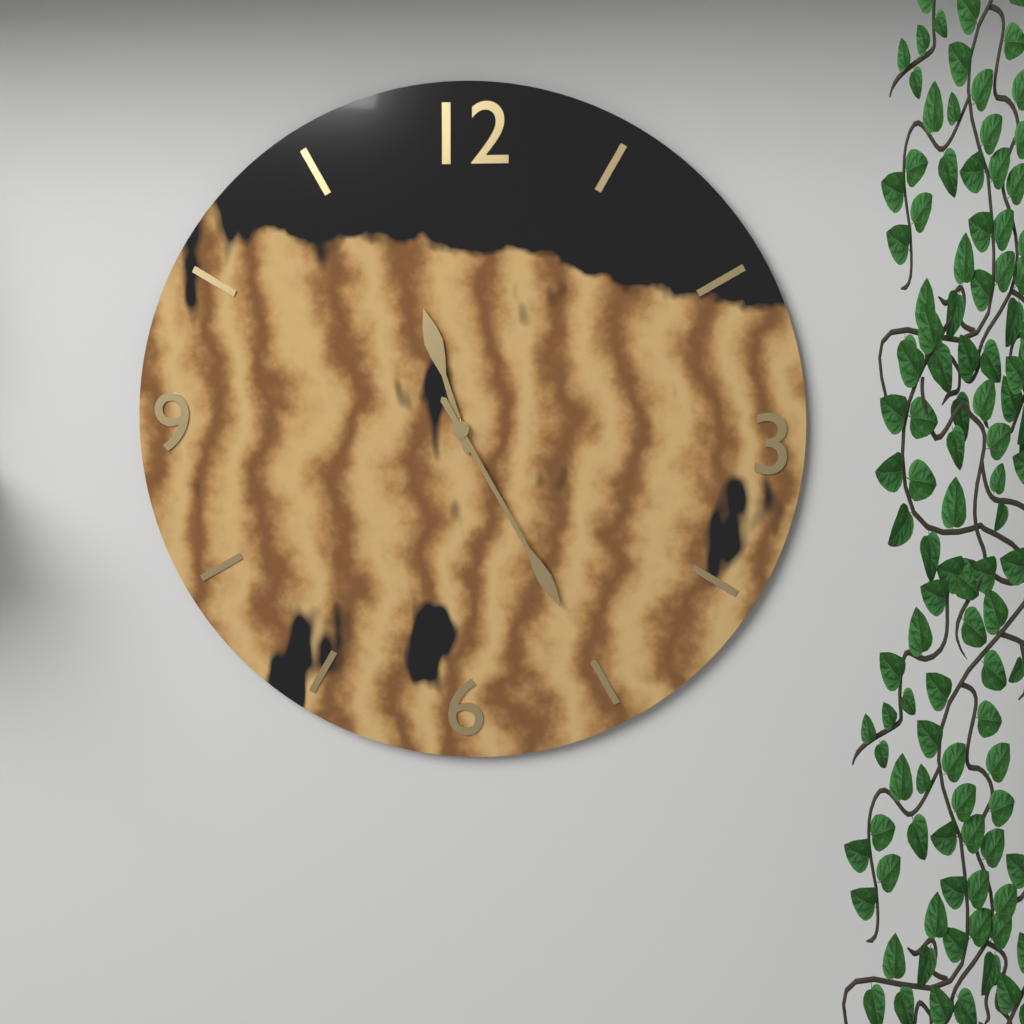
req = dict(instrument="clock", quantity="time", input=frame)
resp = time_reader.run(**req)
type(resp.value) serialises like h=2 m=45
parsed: h=11 m=25
